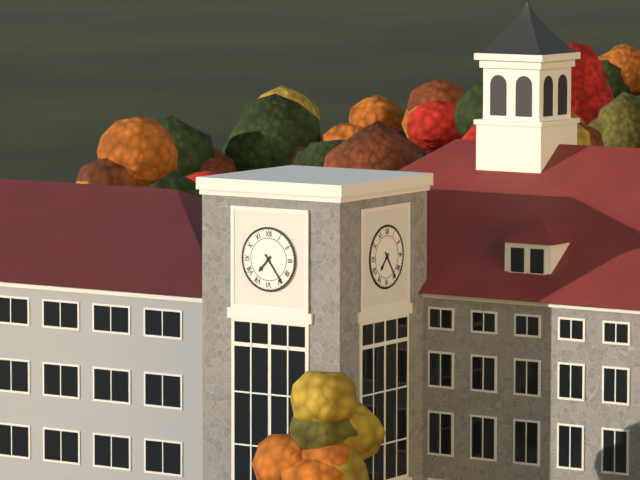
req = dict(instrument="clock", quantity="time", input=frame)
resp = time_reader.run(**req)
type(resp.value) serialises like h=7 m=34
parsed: h=7 m=24
